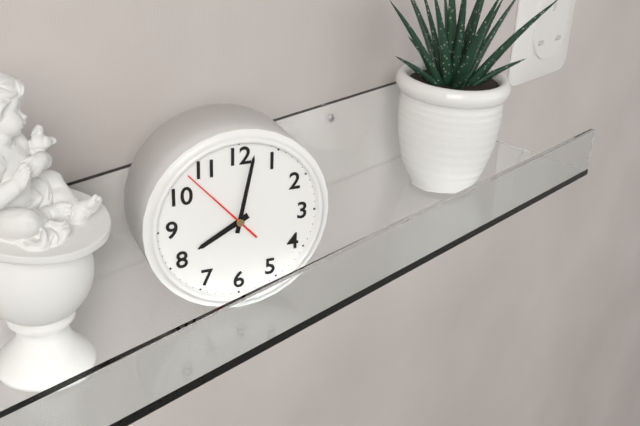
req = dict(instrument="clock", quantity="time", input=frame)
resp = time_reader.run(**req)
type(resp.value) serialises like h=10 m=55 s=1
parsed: h=8 m=2 s=53
